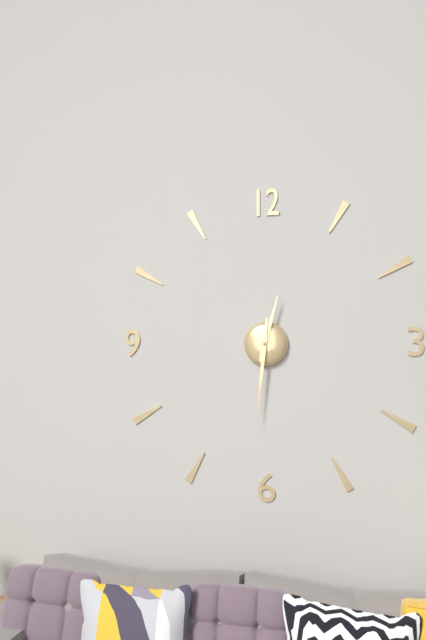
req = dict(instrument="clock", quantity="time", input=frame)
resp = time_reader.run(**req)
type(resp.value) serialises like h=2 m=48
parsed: h=12 m=31
